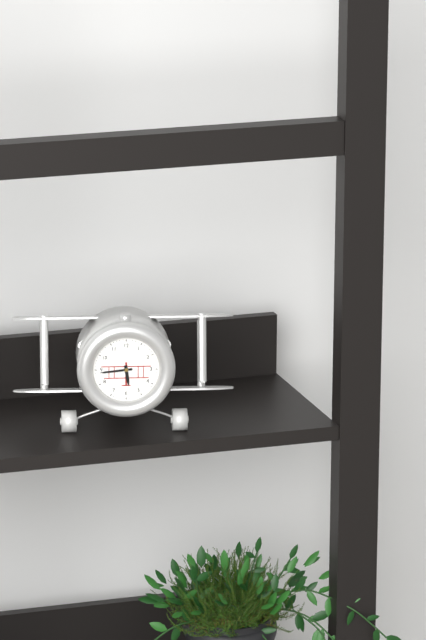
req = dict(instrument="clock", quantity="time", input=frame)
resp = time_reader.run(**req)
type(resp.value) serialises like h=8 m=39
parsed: h=5 m=44
